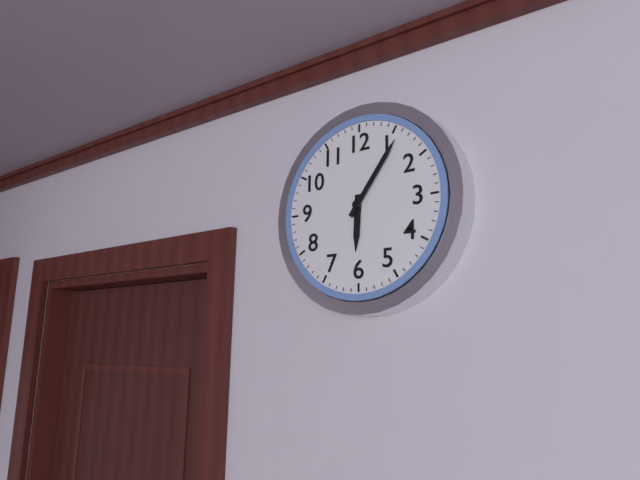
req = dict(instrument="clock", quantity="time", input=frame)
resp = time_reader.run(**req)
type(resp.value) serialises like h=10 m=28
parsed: h=6 m=6
